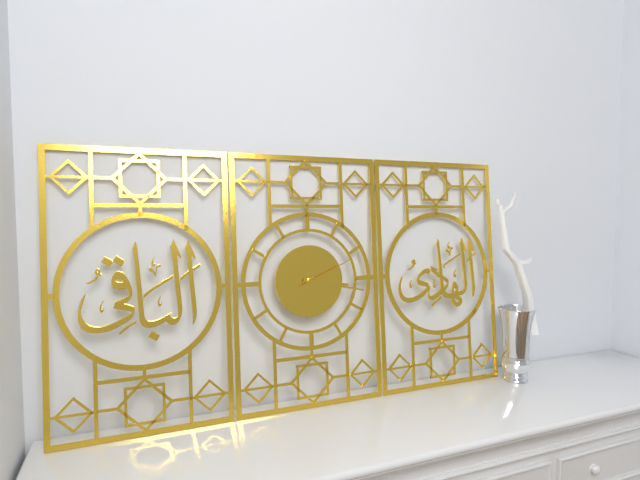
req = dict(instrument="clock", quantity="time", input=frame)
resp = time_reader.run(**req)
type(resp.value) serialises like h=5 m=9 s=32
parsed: h=3 m=17 s=11
